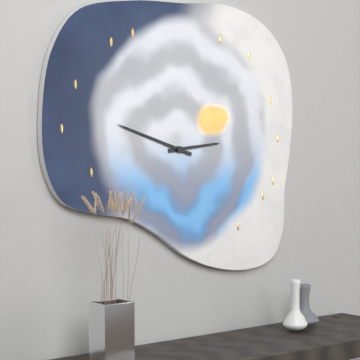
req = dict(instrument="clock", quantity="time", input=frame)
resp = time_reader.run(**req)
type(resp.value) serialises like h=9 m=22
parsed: h=2 m=48
